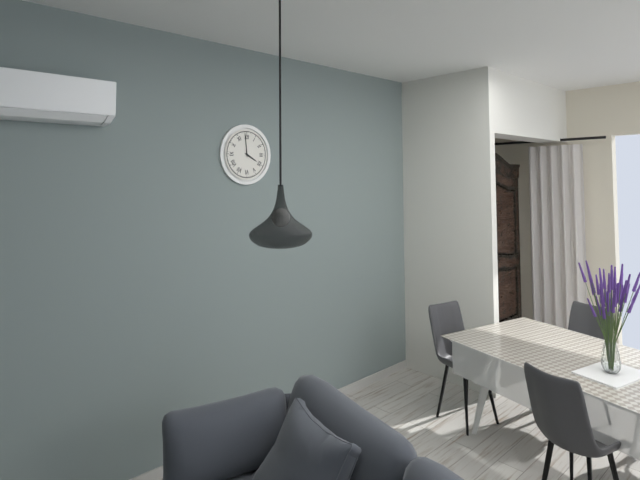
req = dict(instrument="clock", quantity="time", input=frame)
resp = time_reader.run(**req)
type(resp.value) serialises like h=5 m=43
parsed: h=3 m=59
